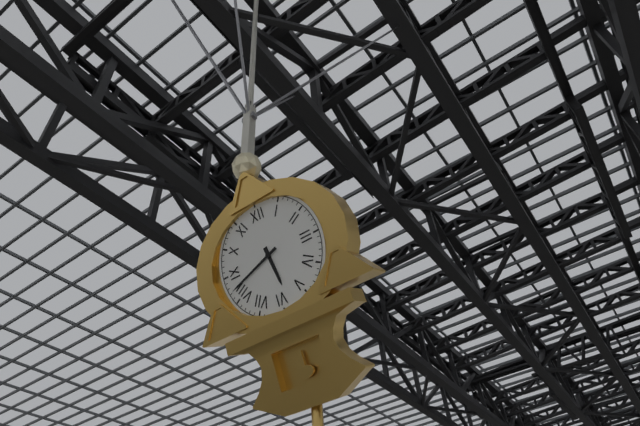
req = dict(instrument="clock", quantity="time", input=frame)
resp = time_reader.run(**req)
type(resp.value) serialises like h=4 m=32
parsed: h=5 m=42
